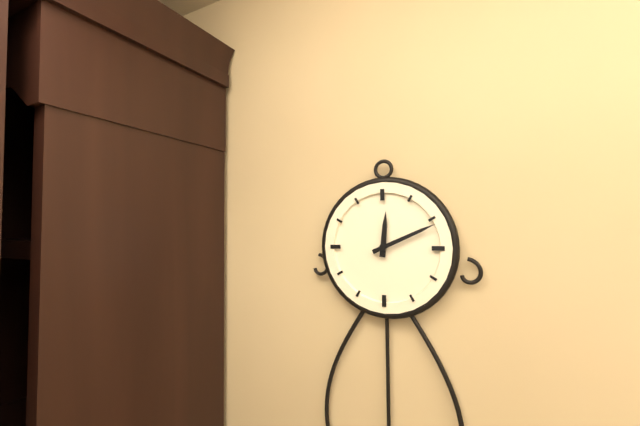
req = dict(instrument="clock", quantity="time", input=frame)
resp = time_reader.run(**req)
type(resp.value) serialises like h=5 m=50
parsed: h=12 m=11
